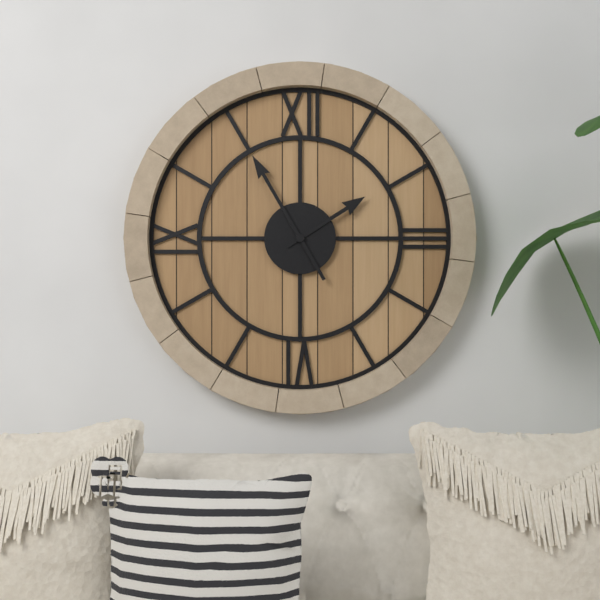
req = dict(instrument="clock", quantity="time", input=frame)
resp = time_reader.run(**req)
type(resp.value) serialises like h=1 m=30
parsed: h=1 m=55
